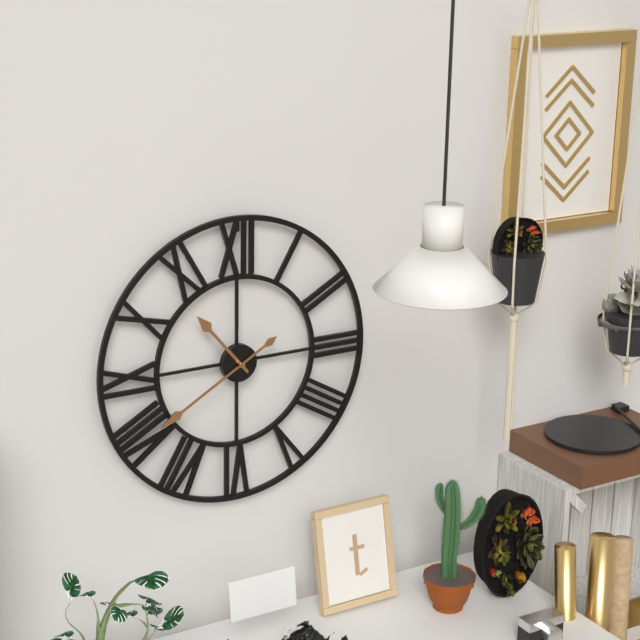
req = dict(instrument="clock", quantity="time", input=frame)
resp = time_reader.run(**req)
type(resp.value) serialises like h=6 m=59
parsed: h=10 m=40
